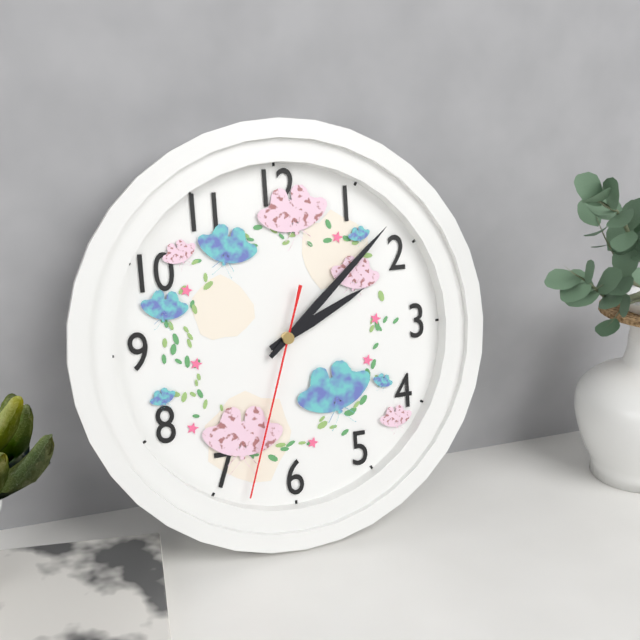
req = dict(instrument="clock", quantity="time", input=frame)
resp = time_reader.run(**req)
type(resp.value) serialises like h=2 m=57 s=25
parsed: h=2 m=8 s=33
